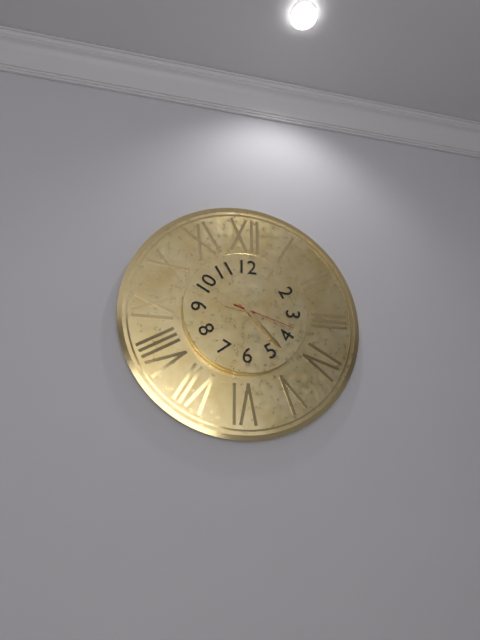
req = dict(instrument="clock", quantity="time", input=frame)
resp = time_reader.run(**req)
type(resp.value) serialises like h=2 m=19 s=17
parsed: h=9 m=23 s=18
